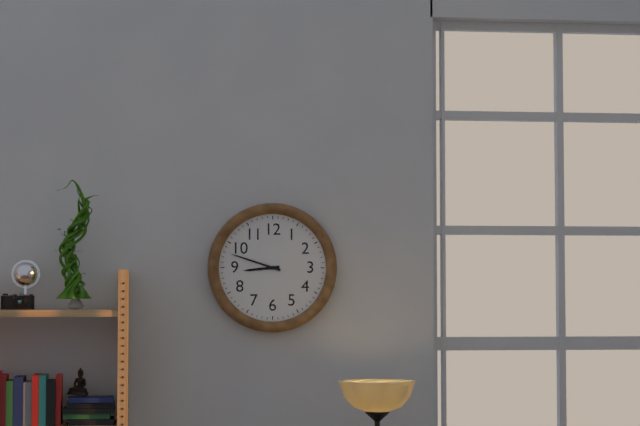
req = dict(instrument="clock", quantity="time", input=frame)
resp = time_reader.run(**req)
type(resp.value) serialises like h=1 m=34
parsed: h=8 m=48
